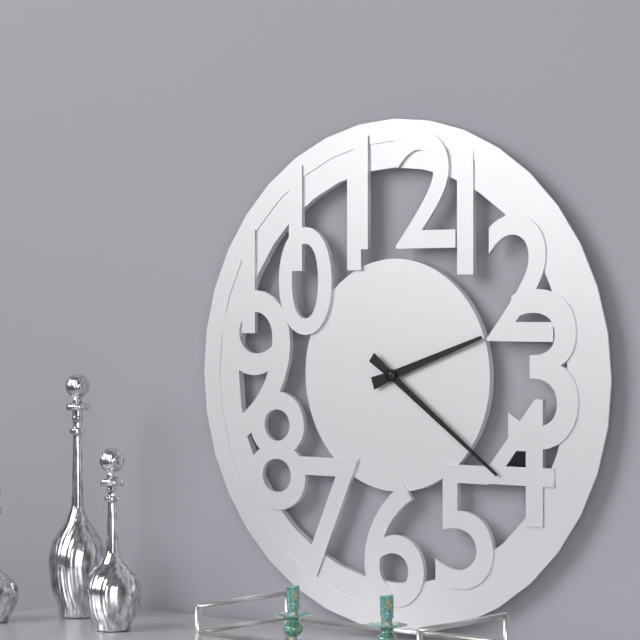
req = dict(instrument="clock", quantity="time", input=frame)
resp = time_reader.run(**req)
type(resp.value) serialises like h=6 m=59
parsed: h=2 m=21
